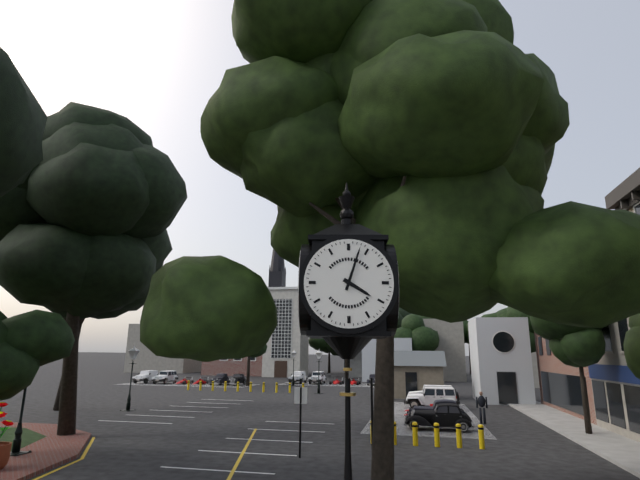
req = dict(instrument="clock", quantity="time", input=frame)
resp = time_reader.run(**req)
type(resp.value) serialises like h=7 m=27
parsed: h=4 m=3
